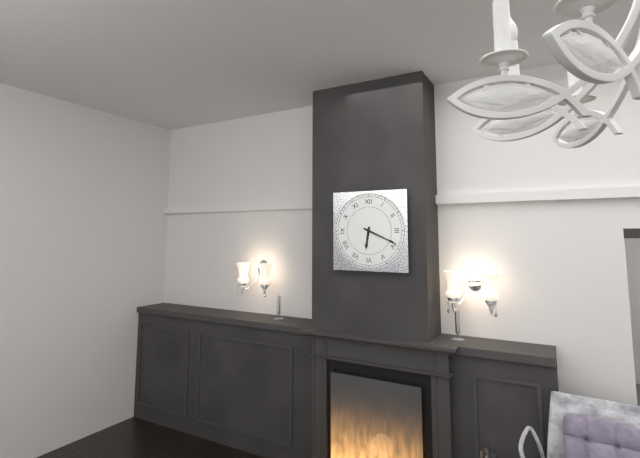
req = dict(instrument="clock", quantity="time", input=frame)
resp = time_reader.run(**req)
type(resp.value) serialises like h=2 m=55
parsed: h=6 m=19
